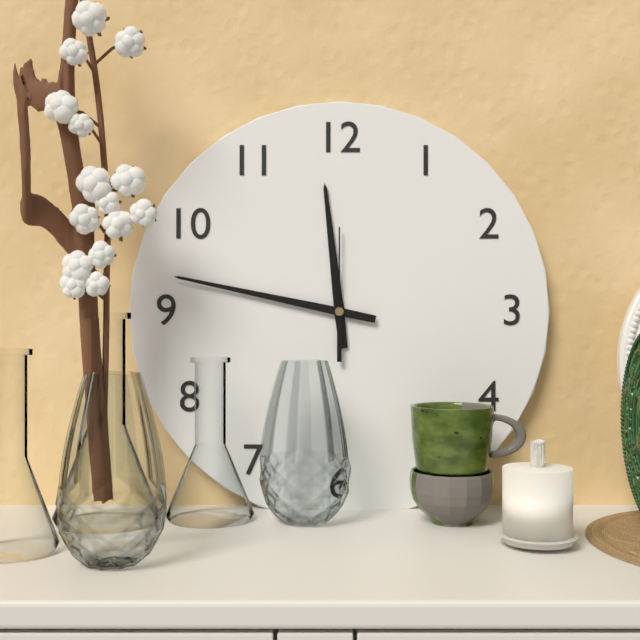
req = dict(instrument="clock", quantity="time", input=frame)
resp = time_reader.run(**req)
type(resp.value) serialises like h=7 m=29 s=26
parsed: h=11 m=47 s=0
